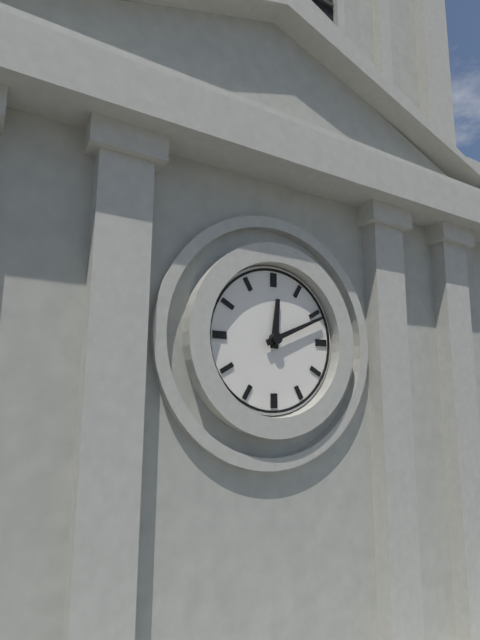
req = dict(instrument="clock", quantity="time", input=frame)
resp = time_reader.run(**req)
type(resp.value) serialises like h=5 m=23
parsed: h=12 m=11
